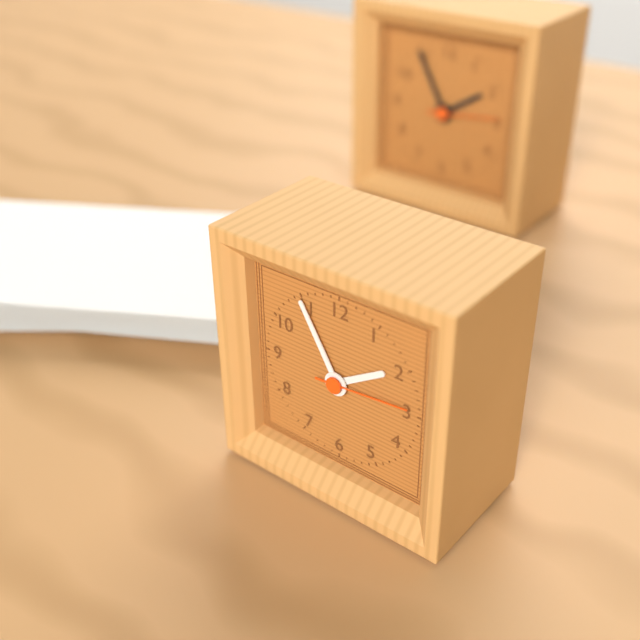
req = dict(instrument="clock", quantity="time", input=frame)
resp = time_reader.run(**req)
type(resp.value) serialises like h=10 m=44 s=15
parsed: h=1 m=55 s=14
